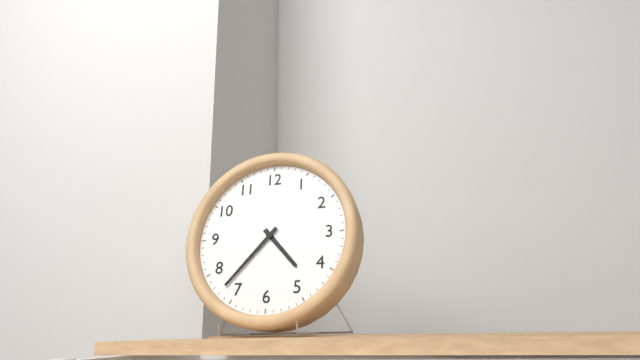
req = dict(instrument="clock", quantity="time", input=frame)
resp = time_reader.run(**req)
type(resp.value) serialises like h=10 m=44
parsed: h=4 m=37
